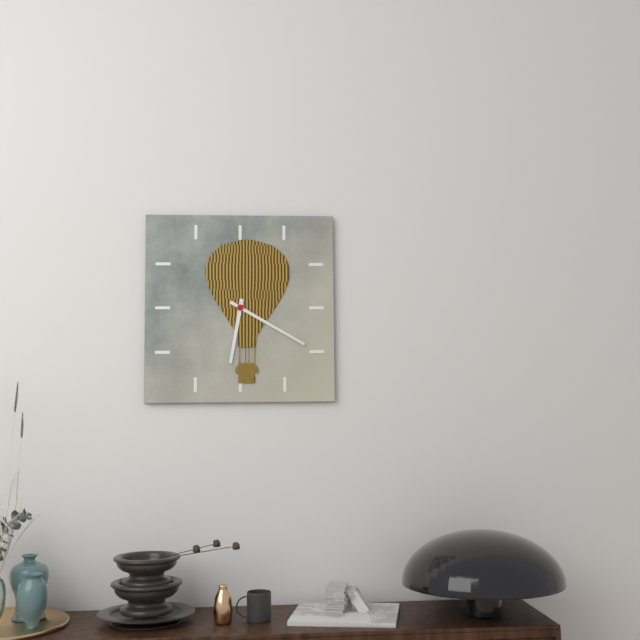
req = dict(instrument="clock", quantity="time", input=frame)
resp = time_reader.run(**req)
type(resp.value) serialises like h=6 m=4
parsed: h=6 m=20
